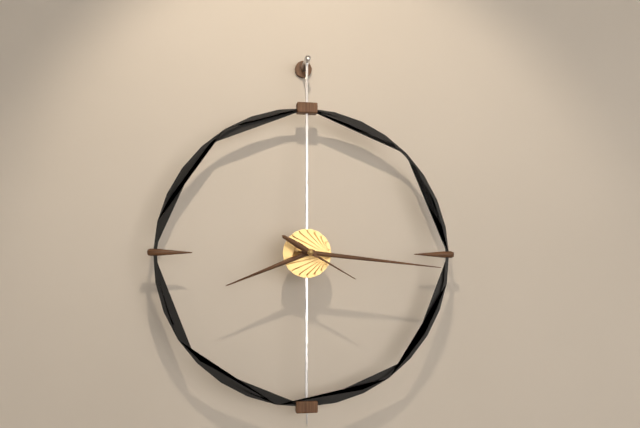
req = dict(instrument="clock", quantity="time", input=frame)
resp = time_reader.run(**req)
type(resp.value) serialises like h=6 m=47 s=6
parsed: h=8 m=16 s=20
